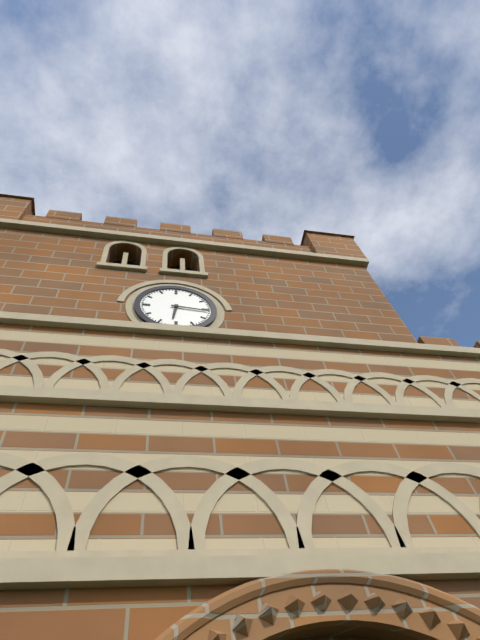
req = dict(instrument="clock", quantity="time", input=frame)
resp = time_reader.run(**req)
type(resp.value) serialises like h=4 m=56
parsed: h=6 m=16
